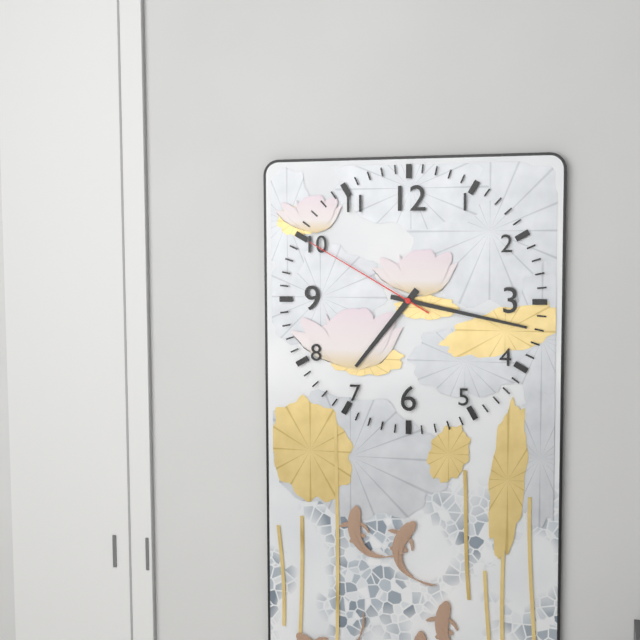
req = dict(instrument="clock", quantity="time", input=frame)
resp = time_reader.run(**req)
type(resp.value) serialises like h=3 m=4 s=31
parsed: h=7 m=17 s=50
